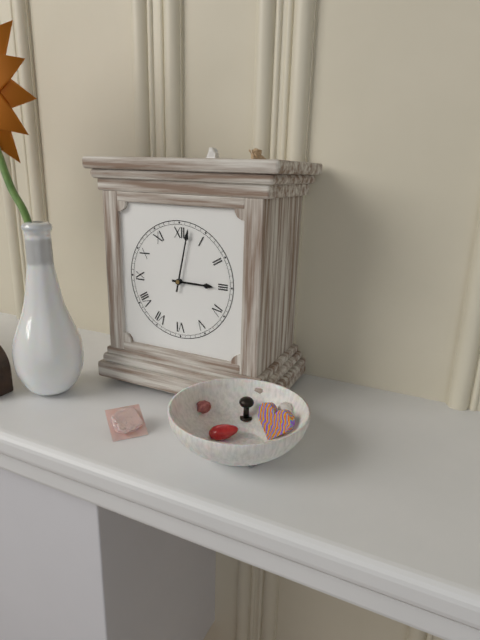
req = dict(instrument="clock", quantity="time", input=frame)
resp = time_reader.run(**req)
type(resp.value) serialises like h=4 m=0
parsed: h=3 m=2
